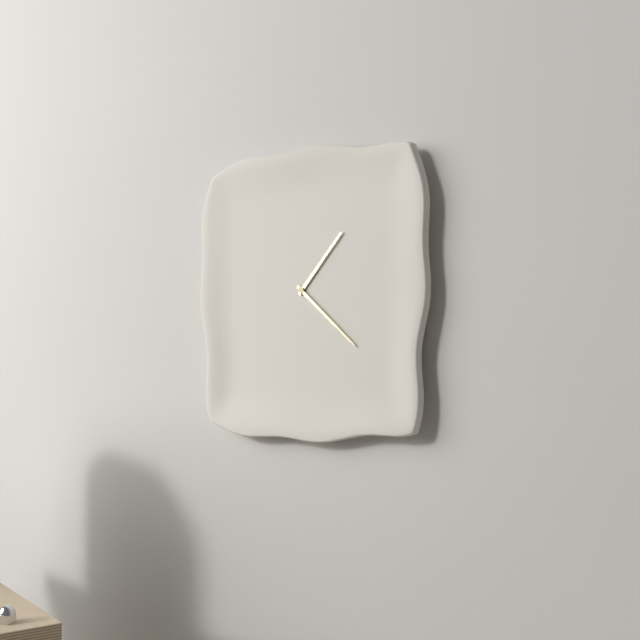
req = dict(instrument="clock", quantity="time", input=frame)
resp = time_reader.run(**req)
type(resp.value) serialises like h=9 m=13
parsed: h=1 m=22
